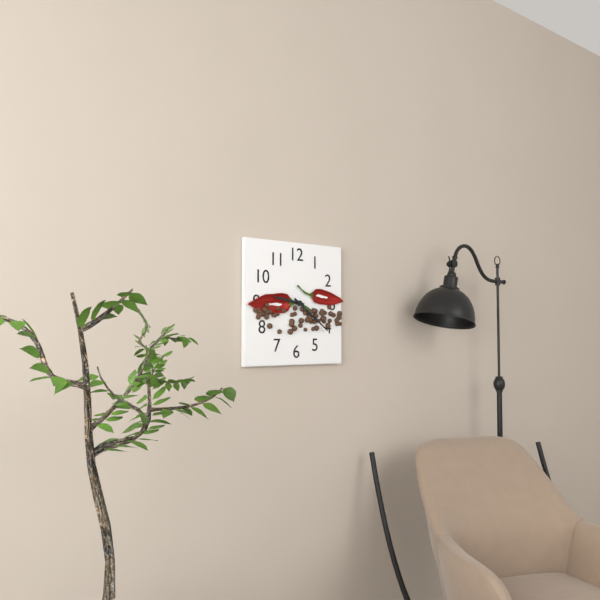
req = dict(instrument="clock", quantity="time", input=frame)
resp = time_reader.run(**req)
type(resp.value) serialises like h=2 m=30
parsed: h=9 m=21
